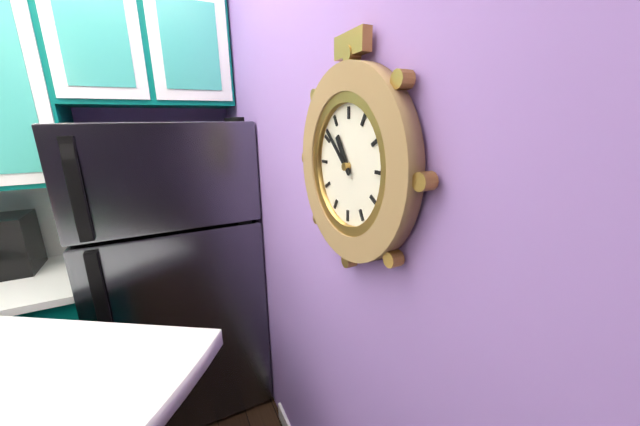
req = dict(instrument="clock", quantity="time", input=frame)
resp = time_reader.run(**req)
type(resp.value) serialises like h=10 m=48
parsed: h=10 m=52
